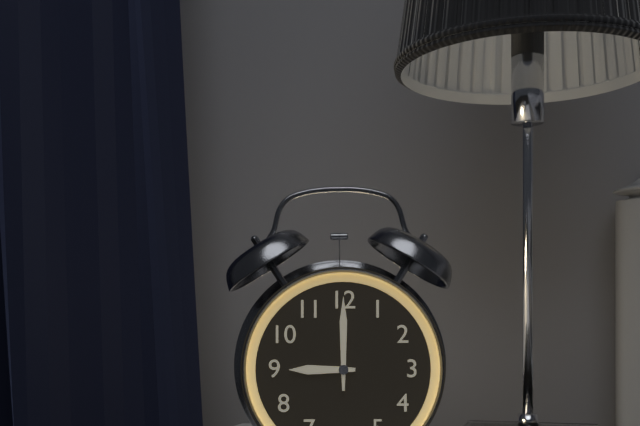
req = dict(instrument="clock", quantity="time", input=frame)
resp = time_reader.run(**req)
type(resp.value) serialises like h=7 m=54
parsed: h=9 m=0
